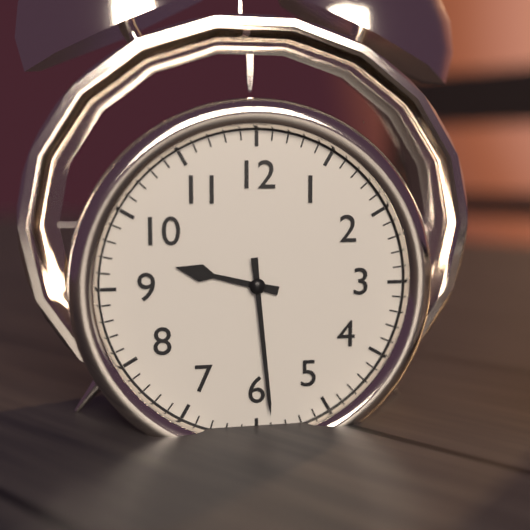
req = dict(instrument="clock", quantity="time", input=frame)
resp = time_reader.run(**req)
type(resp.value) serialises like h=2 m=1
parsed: h=9 m=29
